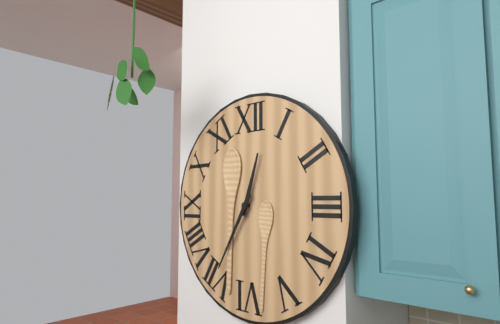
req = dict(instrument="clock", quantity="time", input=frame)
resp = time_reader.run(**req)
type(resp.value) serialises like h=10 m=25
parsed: h=12 m=35
